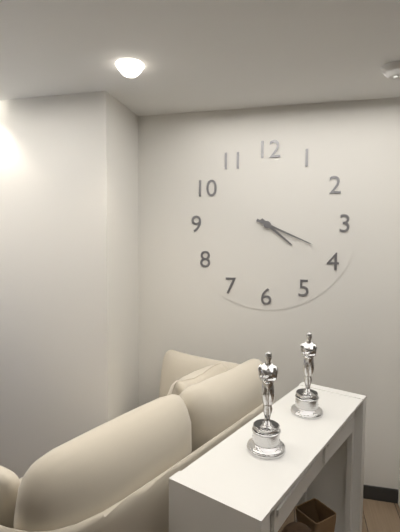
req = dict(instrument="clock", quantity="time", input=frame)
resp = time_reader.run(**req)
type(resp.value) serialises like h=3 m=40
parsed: h=4 m=19
